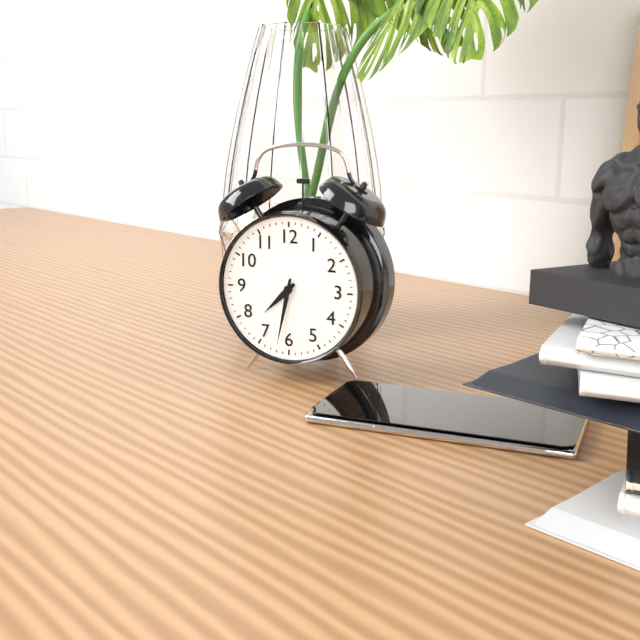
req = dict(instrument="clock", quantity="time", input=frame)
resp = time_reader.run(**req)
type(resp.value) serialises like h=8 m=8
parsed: h=7 m=32
